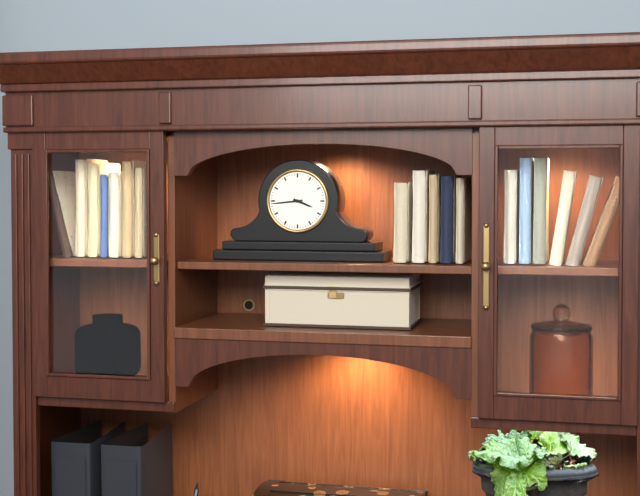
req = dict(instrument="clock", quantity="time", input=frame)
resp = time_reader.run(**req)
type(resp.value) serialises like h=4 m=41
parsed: h=3 m=44
